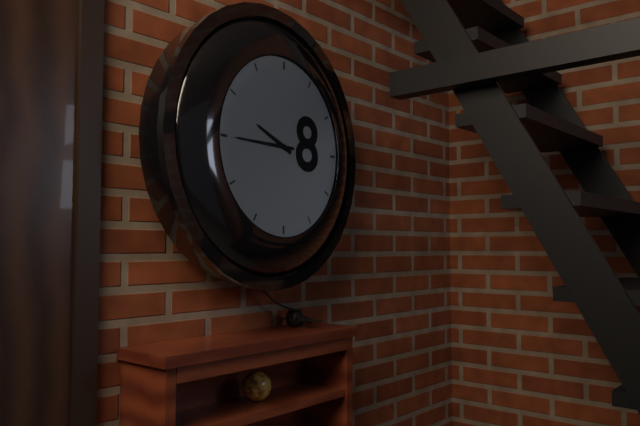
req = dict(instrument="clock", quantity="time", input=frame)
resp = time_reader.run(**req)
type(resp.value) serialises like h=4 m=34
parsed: h=9 m=45
